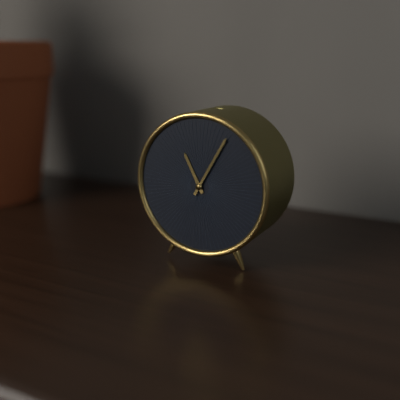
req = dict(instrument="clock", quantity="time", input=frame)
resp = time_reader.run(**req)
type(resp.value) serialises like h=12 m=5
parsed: h=11 m=5
